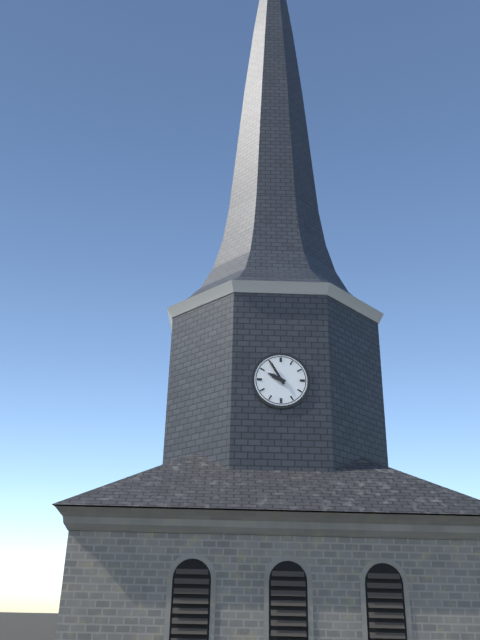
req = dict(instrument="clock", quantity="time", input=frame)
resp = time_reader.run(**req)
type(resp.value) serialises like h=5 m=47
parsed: h=9 m=55
